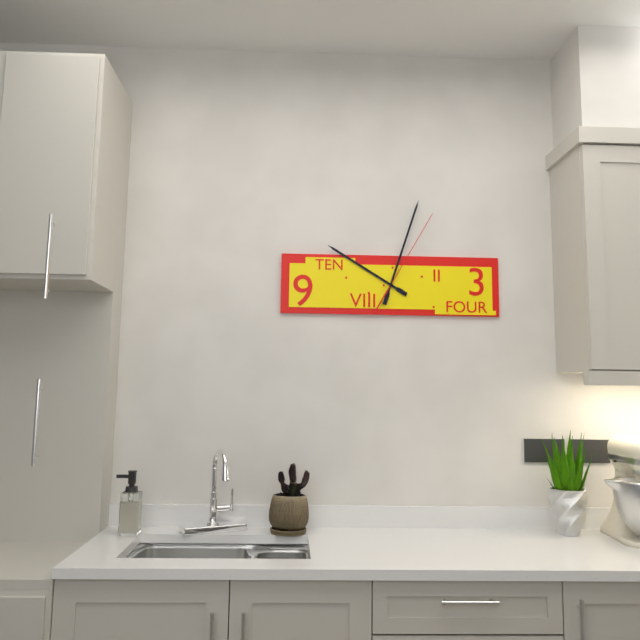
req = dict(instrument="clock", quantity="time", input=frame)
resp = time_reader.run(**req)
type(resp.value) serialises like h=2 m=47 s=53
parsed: h=10 m=3 s=5
